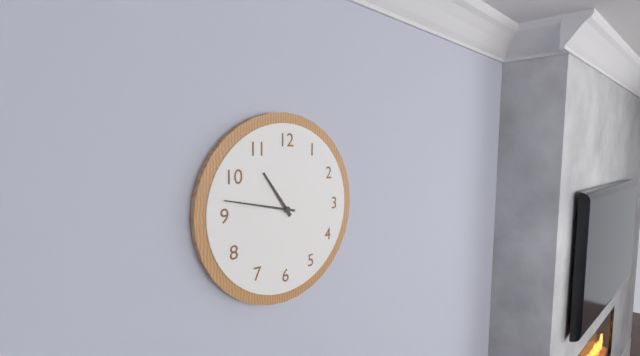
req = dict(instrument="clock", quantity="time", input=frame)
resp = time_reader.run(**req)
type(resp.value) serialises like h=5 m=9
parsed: h=10 m=47
